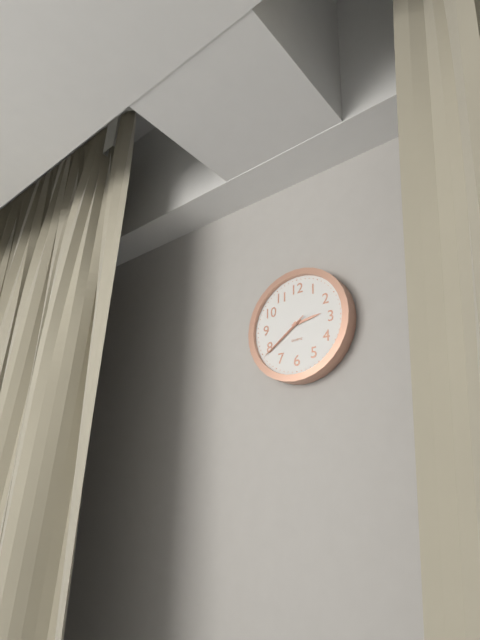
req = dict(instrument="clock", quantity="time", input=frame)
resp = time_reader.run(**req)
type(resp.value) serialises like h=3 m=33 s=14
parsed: h=2 m=39 s=39
